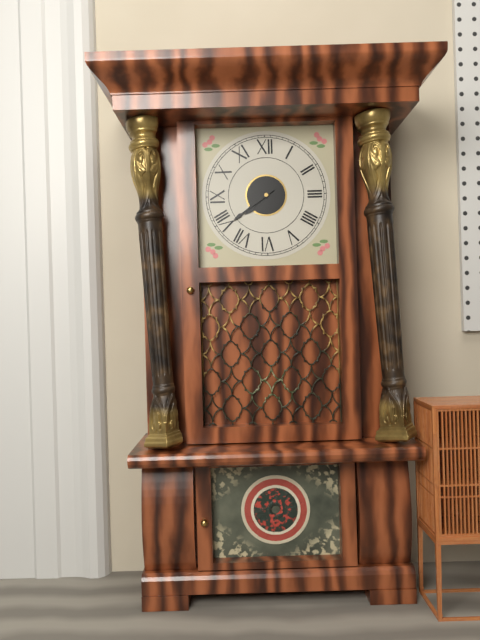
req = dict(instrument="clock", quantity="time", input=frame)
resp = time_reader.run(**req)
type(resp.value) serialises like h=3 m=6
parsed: h=7 m=39
